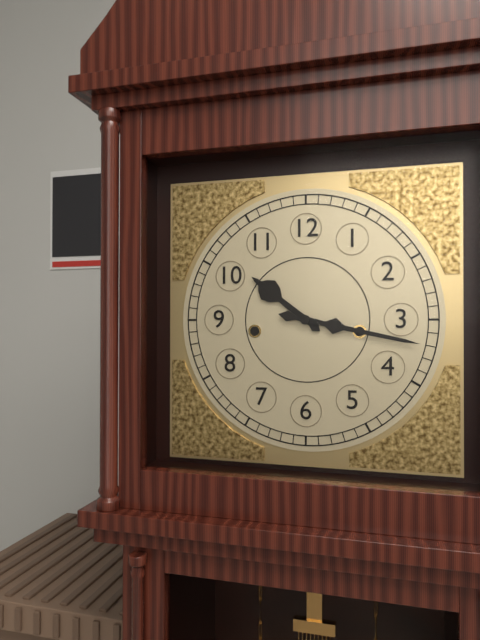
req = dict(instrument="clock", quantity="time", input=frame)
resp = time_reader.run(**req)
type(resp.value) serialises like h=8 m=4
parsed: h=10 m=17
